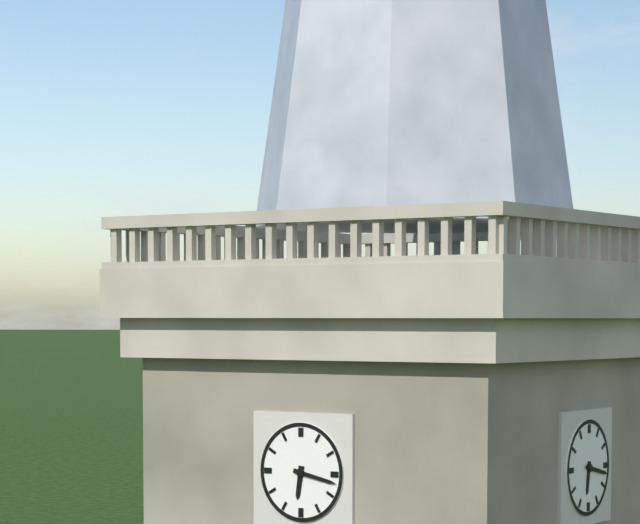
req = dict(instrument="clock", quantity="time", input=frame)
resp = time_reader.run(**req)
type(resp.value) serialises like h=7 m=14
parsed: h=6 m=17
